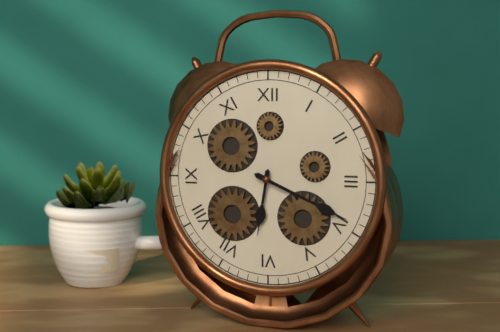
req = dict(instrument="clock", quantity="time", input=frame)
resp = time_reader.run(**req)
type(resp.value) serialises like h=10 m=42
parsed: h=6 m=19
